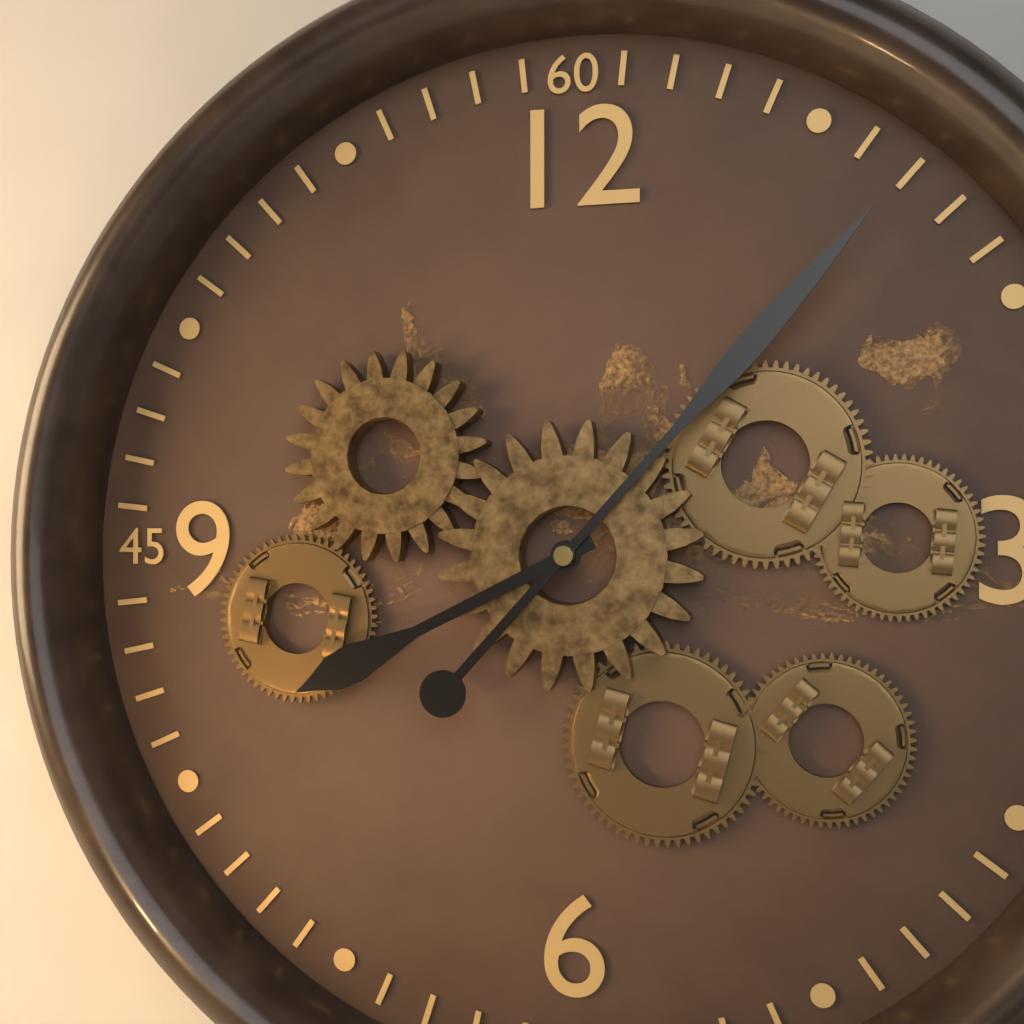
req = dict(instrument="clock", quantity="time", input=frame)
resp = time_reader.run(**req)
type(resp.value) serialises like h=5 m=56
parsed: h=8 m=7
